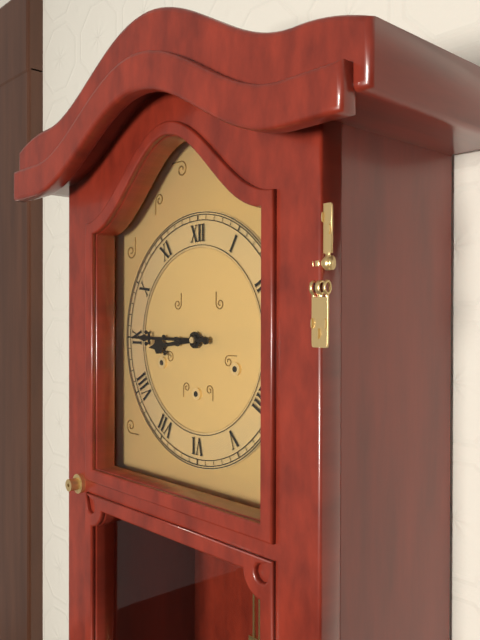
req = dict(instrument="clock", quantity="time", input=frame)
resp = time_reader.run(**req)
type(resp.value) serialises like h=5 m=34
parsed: h=8 m=45
